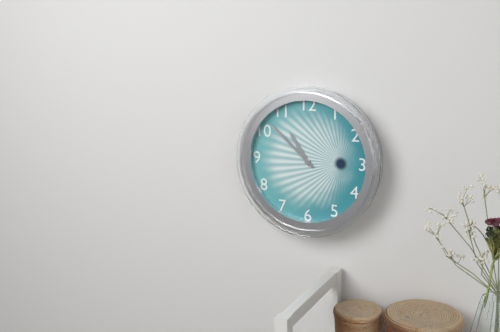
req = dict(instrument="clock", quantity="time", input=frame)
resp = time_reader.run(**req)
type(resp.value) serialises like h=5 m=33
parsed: h=10 m=52
